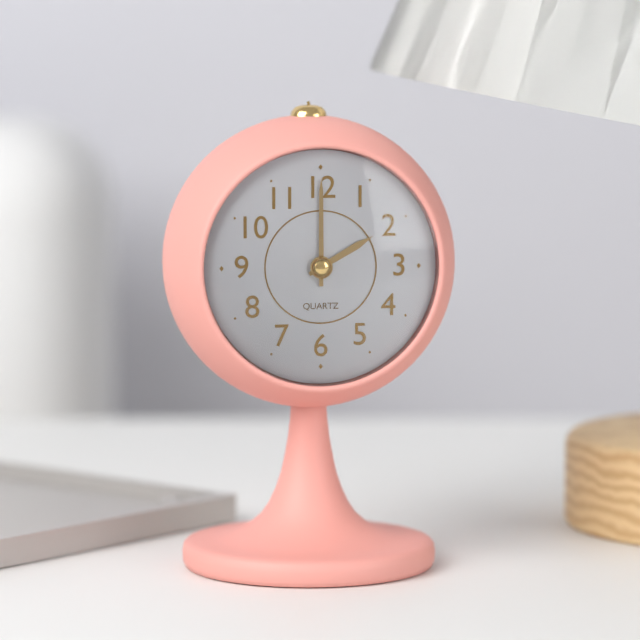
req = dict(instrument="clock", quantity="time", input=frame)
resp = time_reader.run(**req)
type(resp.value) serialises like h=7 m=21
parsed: h=2 m=0
